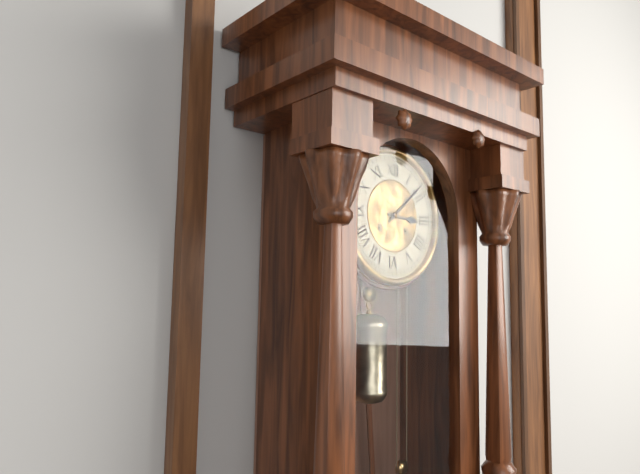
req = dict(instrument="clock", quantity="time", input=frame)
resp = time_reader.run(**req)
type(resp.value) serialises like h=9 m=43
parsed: h=3 m=8
